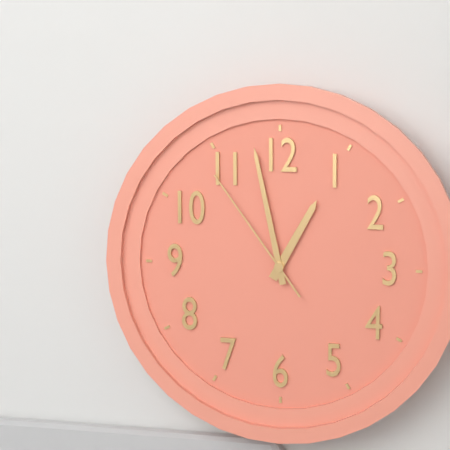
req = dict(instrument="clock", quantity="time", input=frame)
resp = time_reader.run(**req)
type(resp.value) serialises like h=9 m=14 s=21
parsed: h=12 m=58 s=54
